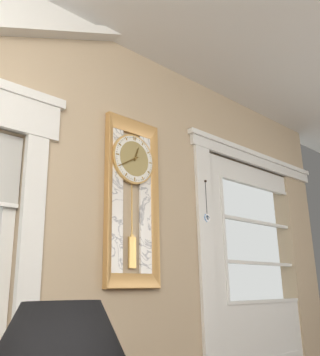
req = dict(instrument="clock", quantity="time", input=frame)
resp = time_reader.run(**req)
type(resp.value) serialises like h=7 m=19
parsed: h=12 m=40
